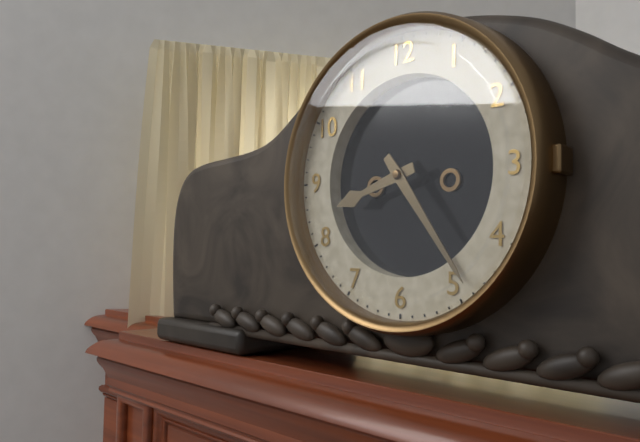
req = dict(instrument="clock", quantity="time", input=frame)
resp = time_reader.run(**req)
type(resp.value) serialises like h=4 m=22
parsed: h=8 m=24
